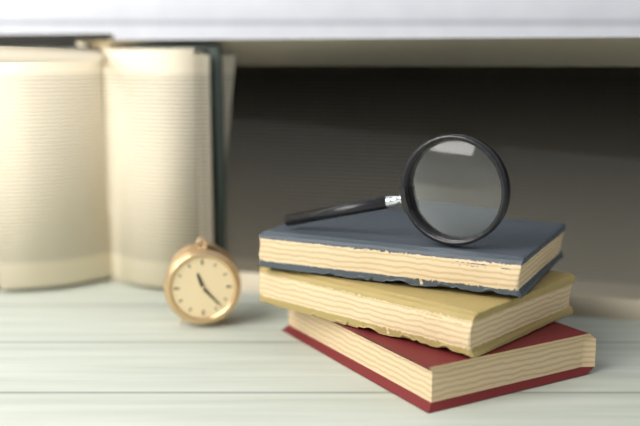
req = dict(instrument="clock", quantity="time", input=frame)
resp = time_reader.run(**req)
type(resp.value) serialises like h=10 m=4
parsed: h=11 m=23
